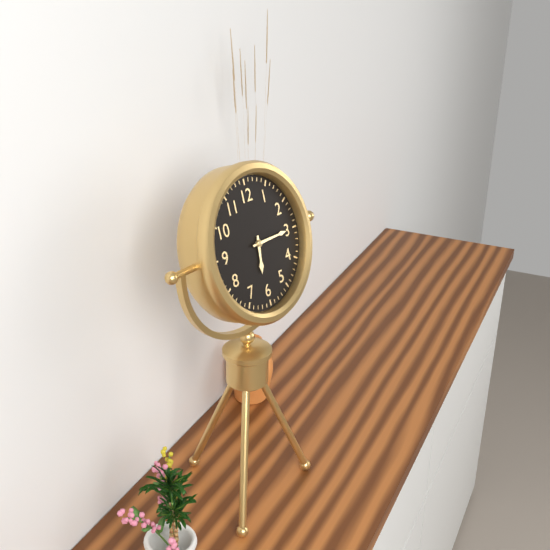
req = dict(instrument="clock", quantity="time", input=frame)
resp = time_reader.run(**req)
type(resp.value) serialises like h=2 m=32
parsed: h=6 m=15
